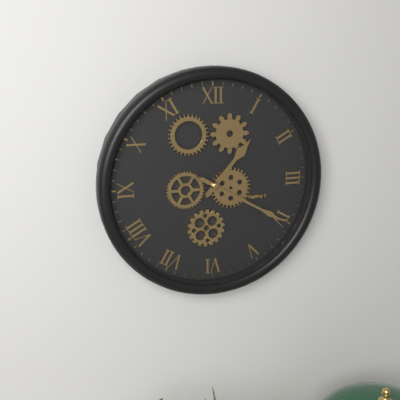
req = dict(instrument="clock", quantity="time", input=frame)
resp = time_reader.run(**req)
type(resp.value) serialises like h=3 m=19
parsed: h=1 m=20
